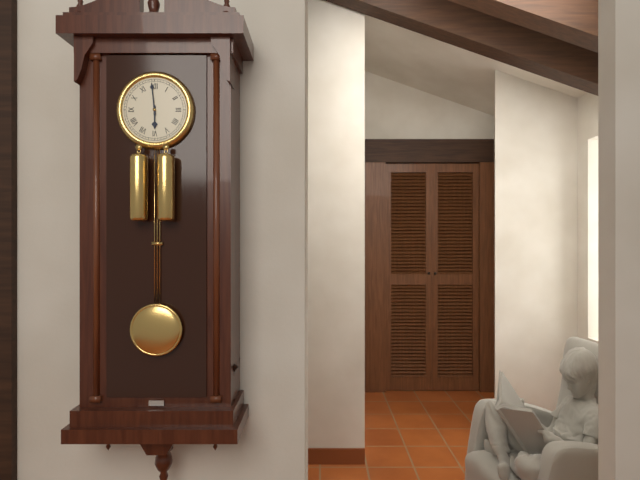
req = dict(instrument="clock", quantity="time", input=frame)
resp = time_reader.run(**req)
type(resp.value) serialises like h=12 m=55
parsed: h=5 m=59
